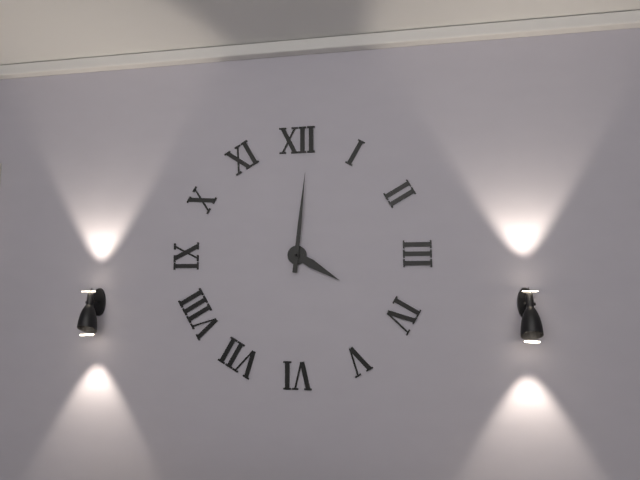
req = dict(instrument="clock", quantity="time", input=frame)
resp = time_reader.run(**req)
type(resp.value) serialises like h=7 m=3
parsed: h=4 m=1
